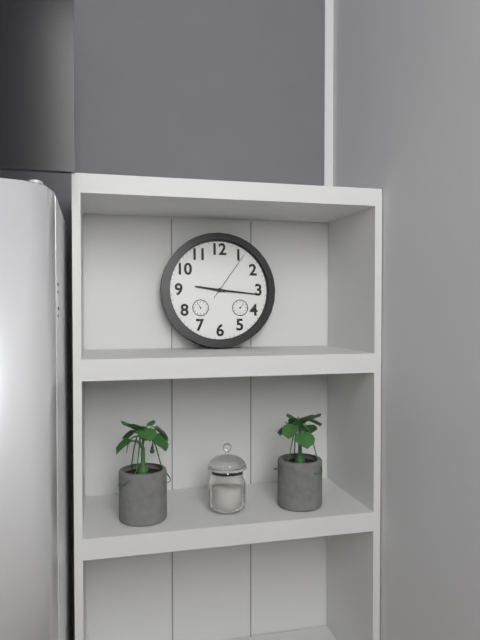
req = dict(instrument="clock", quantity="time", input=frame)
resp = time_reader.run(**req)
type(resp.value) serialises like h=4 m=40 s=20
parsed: h=9 m=16 s=6
